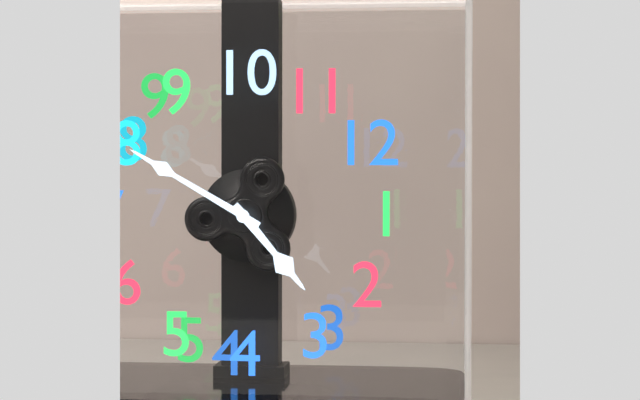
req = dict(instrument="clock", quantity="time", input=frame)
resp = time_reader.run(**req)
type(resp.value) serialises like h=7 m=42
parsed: h=2 m=40
